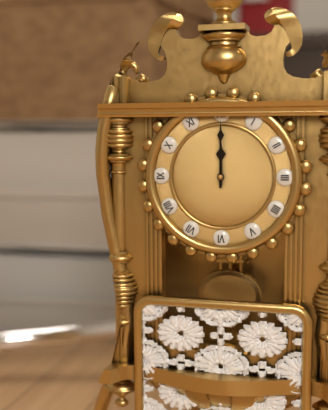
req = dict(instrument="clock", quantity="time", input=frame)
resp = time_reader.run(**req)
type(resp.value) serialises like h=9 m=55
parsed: h=12 m=0
